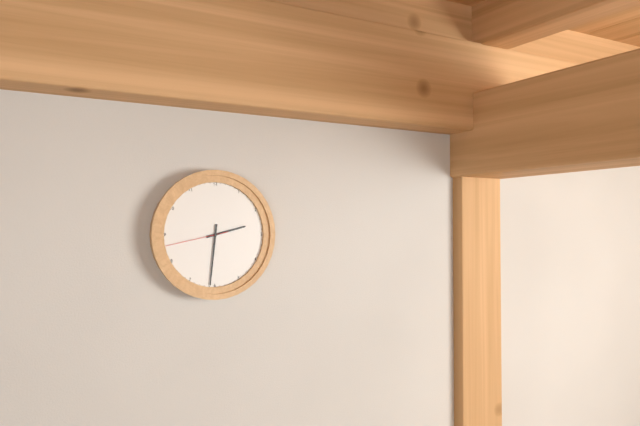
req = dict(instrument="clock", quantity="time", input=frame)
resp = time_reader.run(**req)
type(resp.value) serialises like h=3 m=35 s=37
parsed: h=2 m=31 s=43
